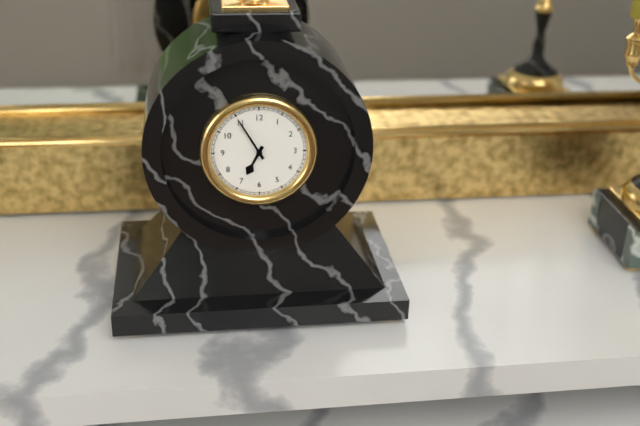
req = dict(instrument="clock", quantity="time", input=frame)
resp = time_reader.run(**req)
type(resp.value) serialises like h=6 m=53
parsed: h=6 m=55
